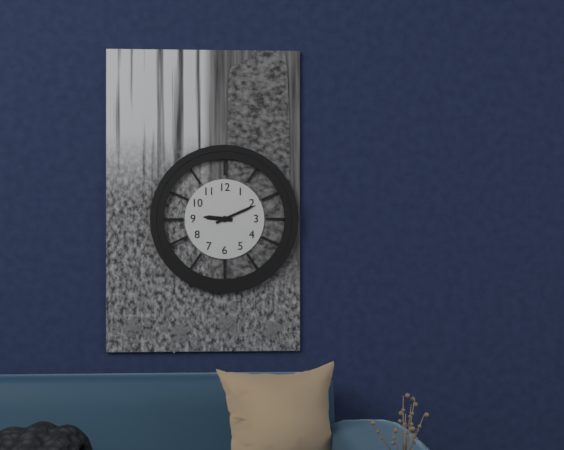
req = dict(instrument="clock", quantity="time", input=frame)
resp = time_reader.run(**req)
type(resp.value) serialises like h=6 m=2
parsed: h=9 m=11
